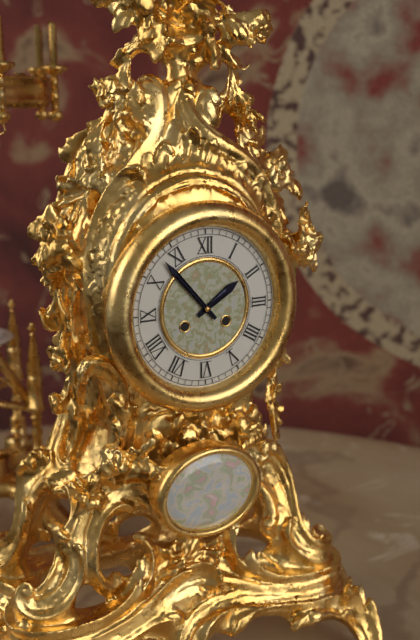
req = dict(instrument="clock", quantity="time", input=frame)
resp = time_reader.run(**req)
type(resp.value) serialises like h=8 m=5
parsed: h=1 m=53
